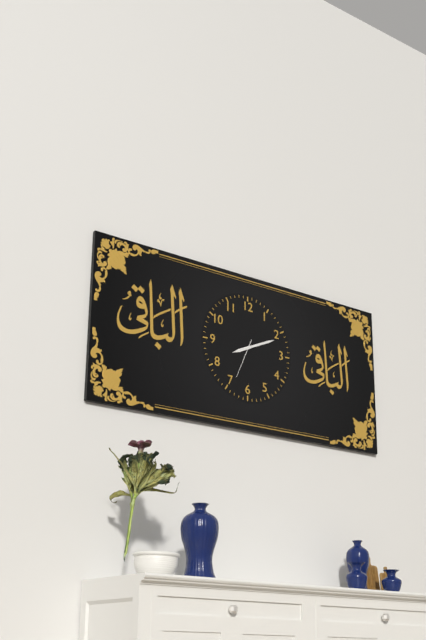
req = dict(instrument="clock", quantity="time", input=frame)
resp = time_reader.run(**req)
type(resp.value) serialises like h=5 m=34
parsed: h=8 m=11
